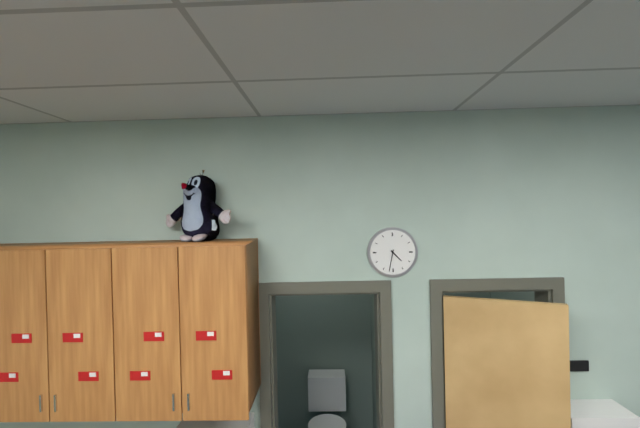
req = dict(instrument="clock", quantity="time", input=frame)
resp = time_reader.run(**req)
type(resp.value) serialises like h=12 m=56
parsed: h=4 m=32
